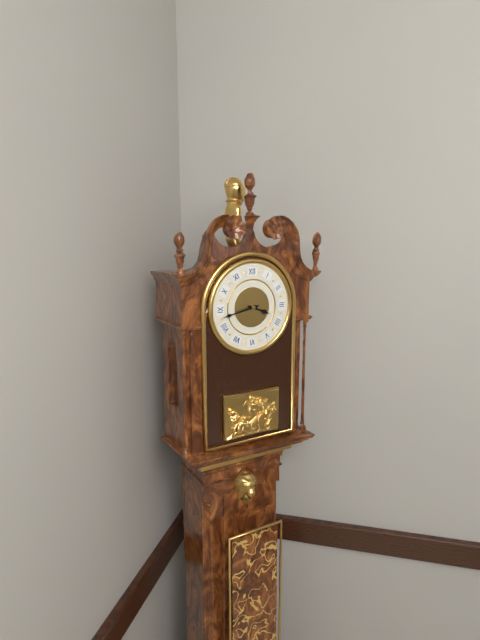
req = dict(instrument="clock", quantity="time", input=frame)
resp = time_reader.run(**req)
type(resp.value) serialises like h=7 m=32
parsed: h=3 m=43
